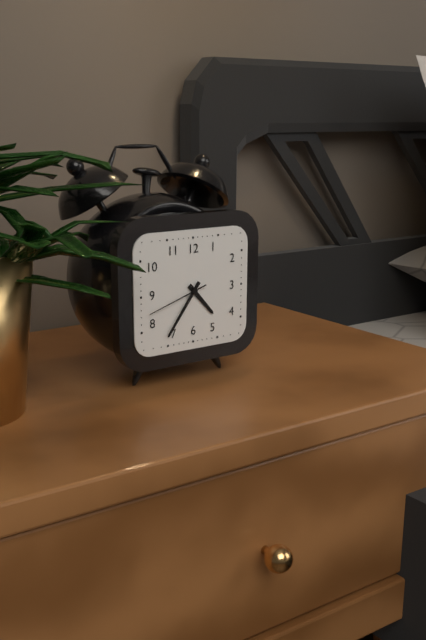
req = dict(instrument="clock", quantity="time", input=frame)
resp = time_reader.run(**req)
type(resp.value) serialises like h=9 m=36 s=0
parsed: h=4 m=36 s=42
